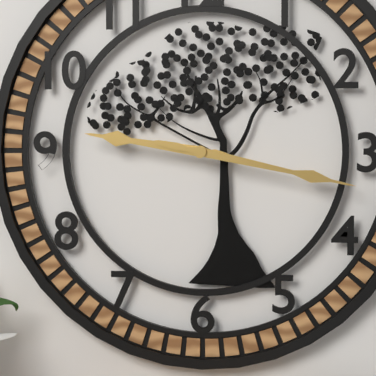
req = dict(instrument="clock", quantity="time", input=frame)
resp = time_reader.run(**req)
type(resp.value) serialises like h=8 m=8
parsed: h=9 m=17
